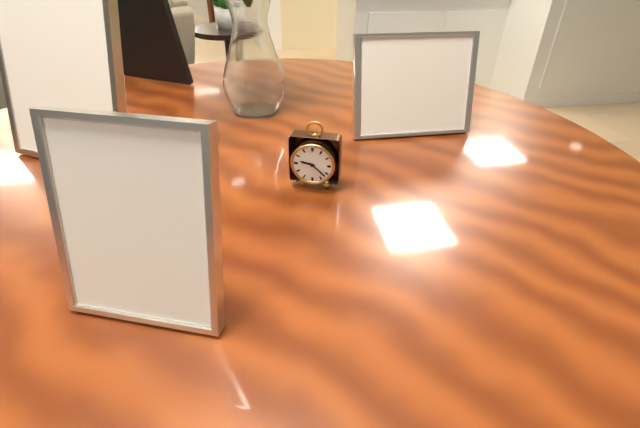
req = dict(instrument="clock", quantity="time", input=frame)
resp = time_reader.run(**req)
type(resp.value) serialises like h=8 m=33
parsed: h=9 m=22
